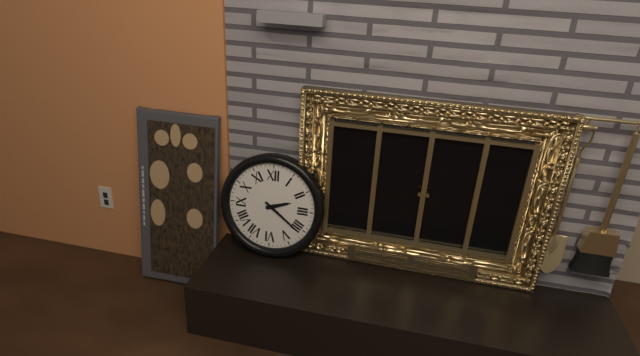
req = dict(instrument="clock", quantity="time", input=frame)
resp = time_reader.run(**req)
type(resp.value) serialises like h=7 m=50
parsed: h=2 m=21
